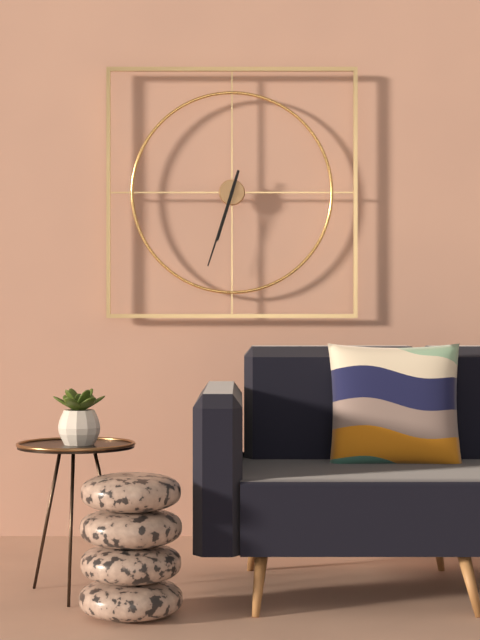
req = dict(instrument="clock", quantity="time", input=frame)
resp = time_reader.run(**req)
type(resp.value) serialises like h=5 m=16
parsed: h=6 m=33
